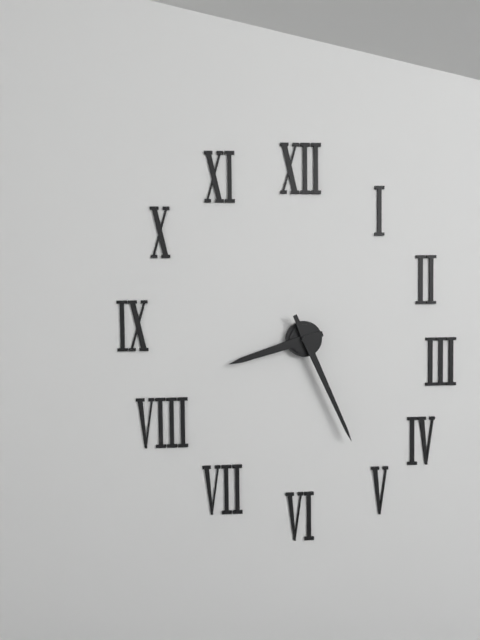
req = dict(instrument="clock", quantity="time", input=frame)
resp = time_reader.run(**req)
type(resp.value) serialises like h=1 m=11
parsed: h=8 m=26
